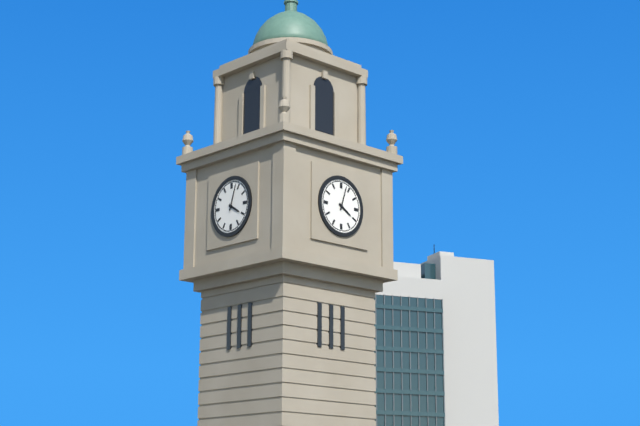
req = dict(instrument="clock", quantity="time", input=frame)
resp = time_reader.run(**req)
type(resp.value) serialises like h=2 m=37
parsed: h=4 m=3
